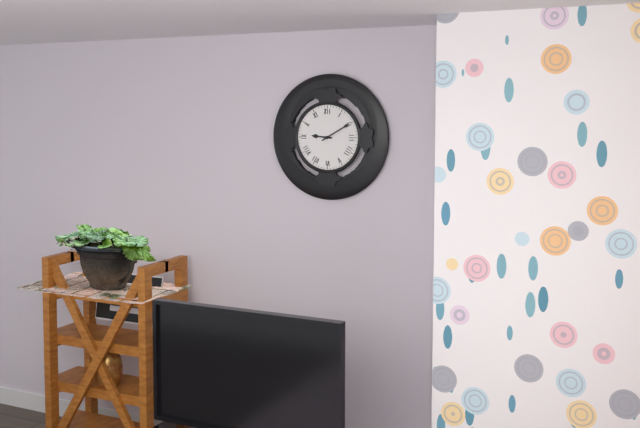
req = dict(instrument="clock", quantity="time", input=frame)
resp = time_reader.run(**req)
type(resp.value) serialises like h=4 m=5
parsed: h=9 m=10
